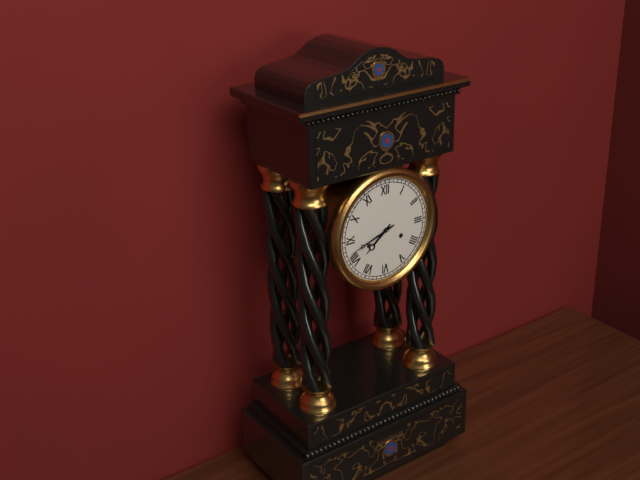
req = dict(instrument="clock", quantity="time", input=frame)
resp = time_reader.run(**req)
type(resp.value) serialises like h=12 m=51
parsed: h=7 m=42
